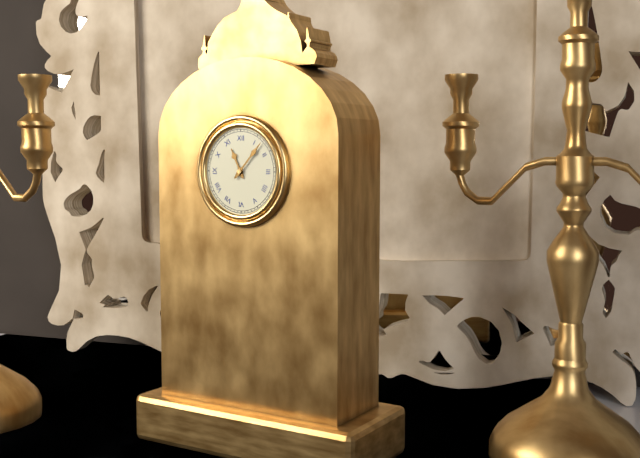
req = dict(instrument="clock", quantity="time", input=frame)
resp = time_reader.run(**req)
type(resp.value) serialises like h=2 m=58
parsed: h=11 m=7
